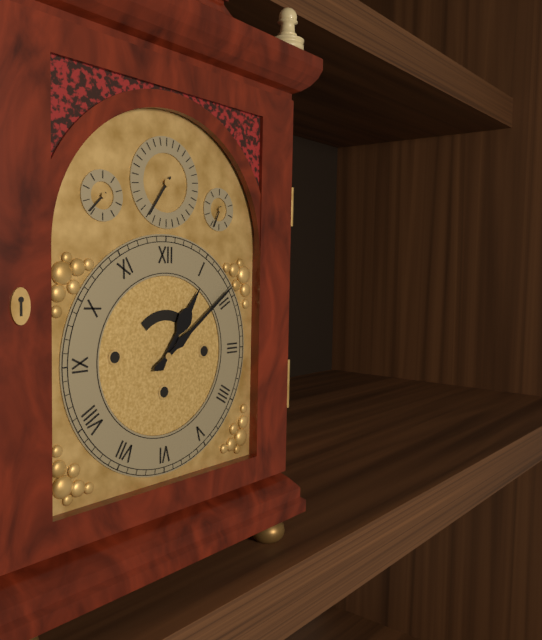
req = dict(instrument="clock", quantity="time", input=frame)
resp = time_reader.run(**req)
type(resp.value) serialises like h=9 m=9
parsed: h=1 m=9
